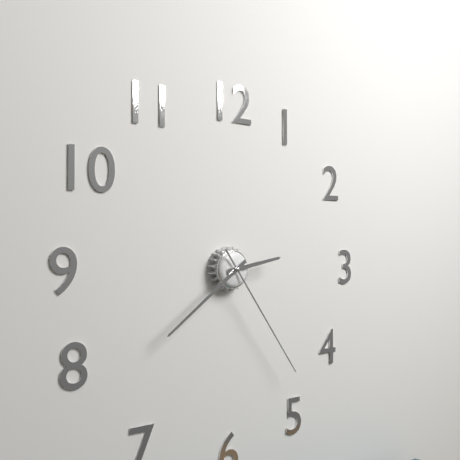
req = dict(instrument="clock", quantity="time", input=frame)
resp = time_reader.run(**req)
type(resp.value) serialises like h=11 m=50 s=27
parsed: h=2 m=39 s=24
